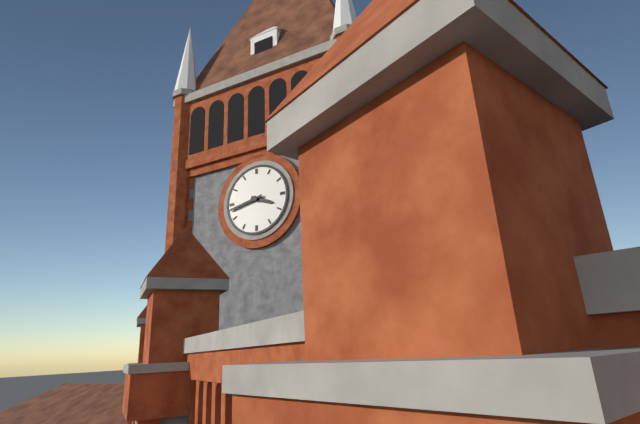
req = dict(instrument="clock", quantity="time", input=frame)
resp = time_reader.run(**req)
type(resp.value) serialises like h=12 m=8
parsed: h=3 m=43
